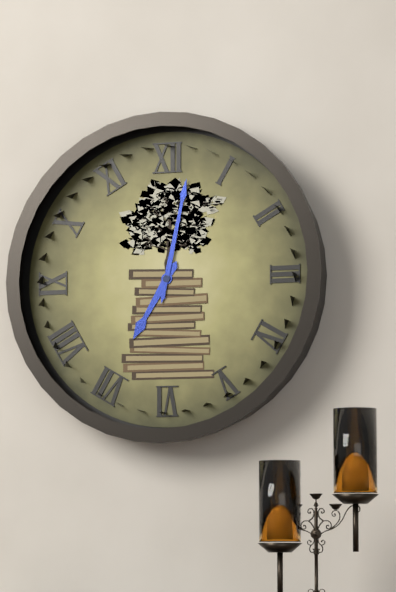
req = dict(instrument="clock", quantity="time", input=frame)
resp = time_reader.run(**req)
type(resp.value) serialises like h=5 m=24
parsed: h=7 m=2
